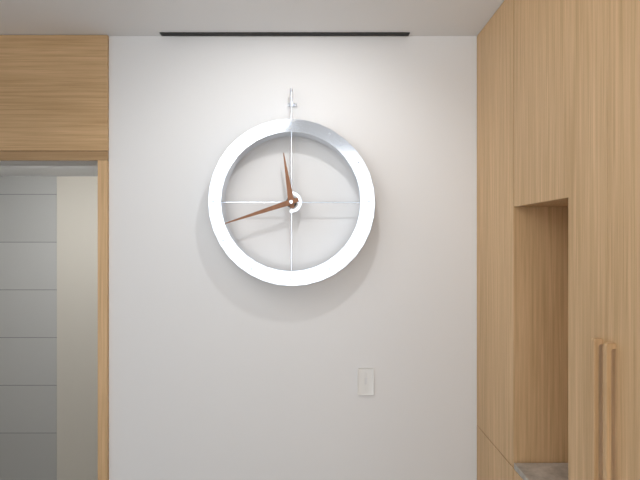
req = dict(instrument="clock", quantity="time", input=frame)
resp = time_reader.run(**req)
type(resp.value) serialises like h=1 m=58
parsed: h=11 m=42
